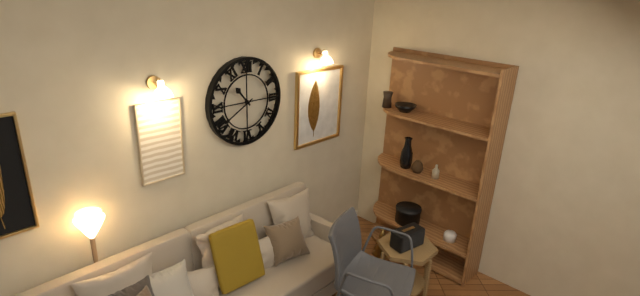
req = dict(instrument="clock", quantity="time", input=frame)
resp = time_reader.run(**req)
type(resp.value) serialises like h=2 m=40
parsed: h=10 m=40
